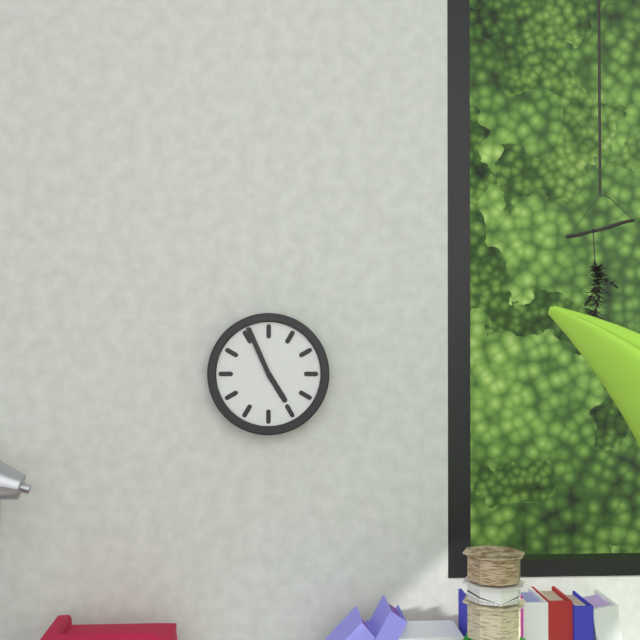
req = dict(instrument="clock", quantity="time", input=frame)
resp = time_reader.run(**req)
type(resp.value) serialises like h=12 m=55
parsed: h=4 m=56
